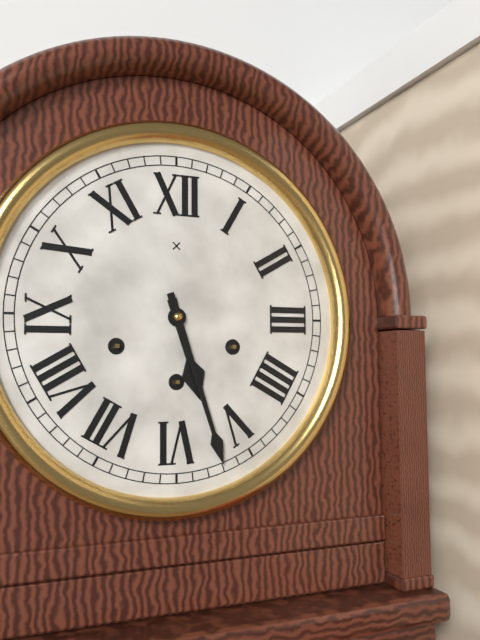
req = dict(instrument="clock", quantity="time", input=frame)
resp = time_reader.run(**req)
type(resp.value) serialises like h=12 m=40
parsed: h=5 m=27
